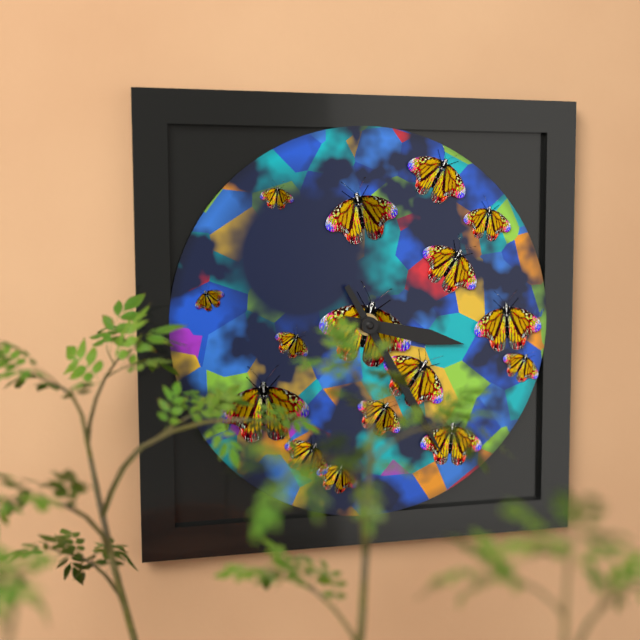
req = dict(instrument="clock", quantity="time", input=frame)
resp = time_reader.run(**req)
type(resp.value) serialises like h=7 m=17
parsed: h=3 m=25
